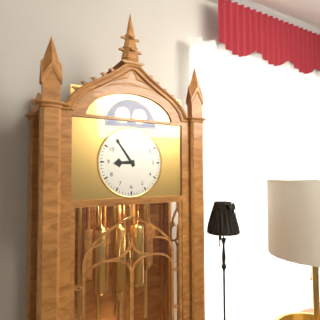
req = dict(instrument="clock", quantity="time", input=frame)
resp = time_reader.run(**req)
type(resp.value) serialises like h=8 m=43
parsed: h=8 m=54
